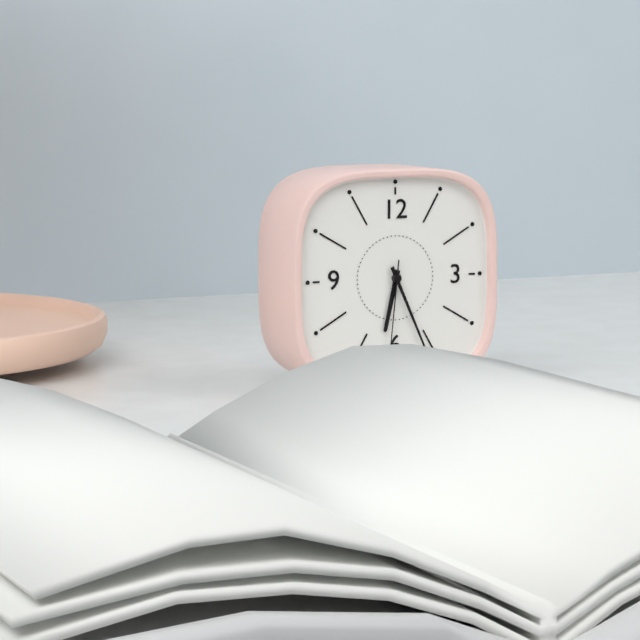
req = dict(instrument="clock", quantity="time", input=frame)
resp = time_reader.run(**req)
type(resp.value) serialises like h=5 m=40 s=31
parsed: h=6 m=26 s=31
